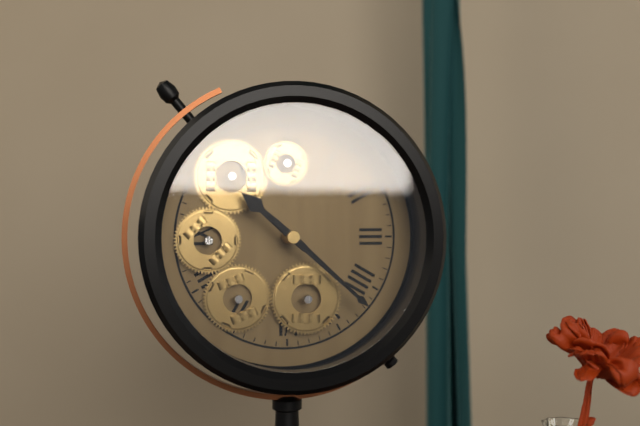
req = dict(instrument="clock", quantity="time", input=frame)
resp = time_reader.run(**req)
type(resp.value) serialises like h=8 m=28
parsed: h=10 m=22
